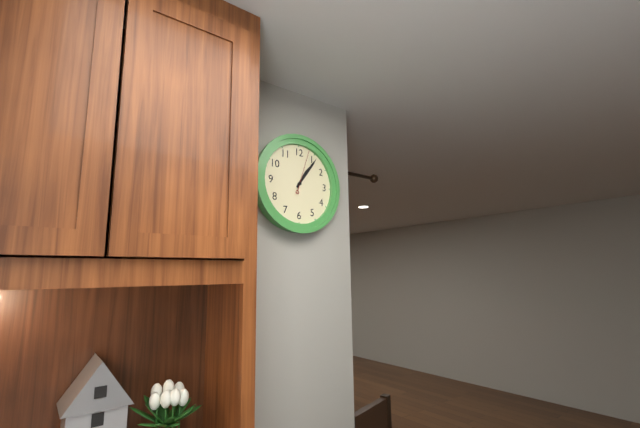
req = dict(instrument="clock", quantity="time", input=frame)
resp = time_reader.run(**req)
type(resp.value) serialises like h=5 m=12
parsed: h=1 m=6
